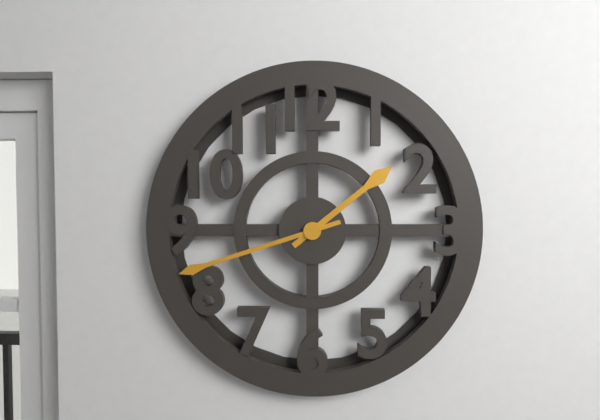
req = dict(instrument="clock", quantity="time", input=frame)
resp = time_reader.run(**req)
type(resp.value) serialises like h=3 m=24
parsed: h=1 m=42
